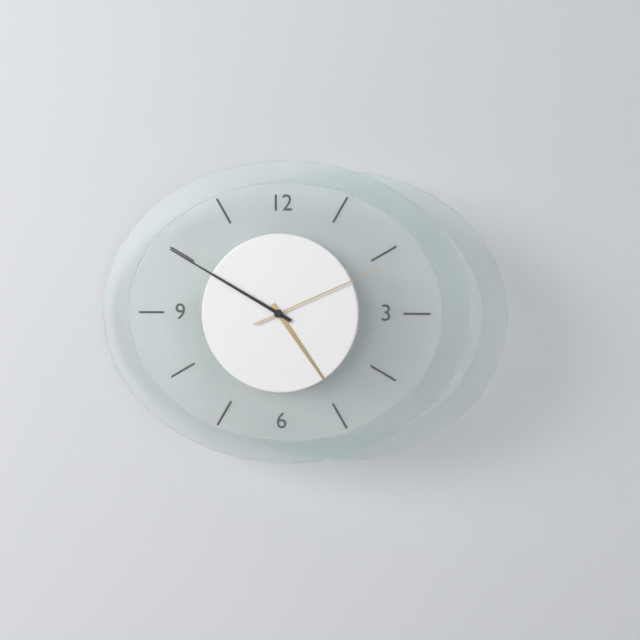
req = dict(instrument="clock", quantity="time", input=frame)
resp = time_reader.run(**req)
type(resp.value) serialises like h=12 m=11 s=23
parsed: h=4 m=50 s=11
